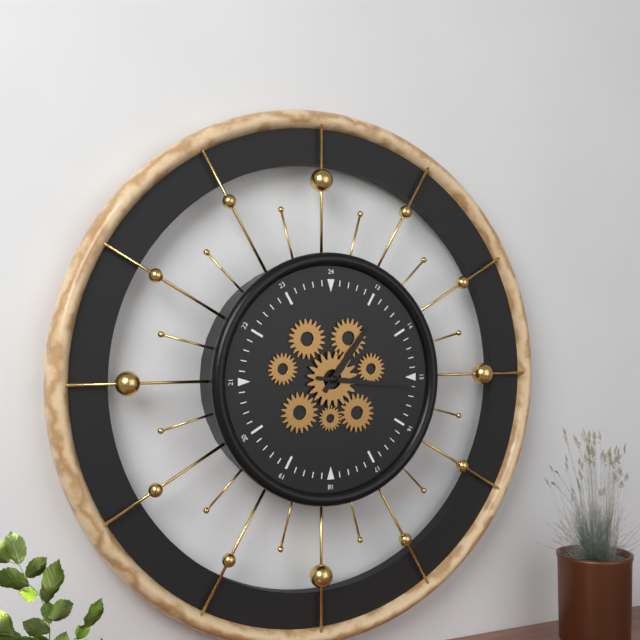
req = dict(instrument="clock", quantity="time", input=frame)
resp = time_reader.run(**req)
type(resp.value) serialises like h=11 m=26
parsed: h=1 m=16
